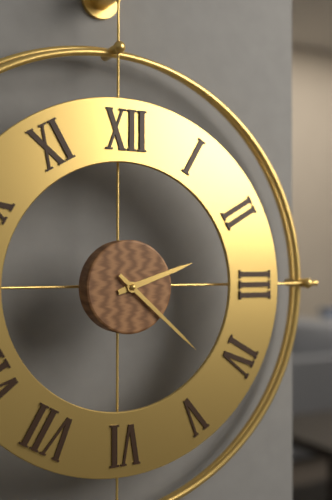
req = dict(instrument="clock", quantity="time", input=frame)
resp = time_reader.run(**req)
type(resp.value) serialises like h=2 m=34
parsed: h=2 m=22
